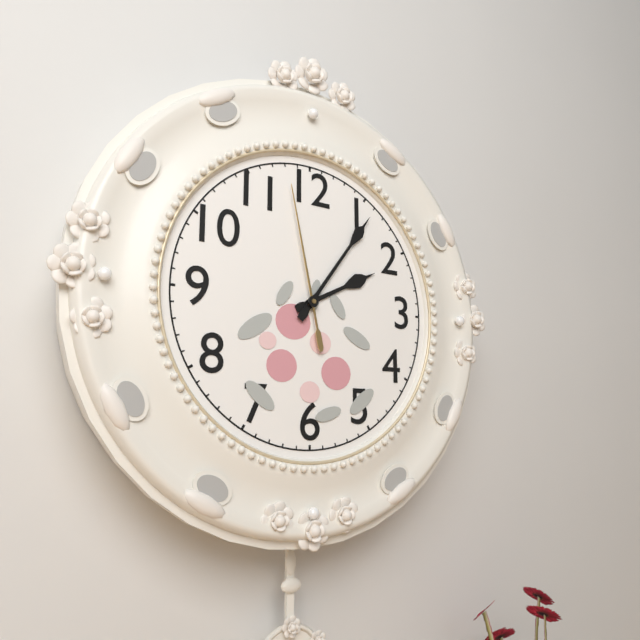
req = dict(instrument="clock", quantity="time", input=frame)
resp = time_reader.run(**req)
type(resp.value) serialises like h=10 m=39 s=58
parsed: h=2 m=6 s=58
